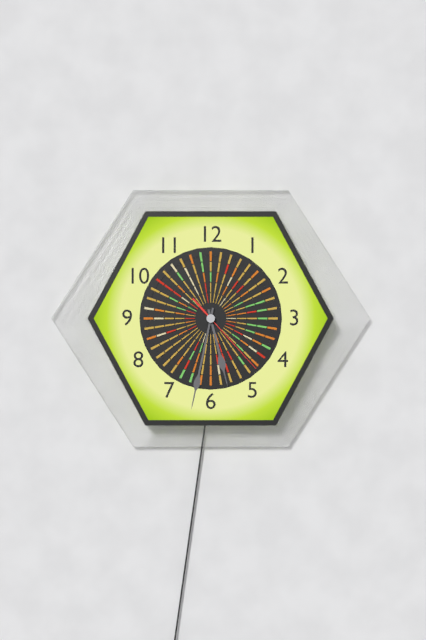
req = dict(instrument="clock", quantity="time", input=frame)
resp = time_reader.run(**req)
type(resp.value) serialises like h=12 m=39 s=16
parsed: h=5 m=32 s=23
